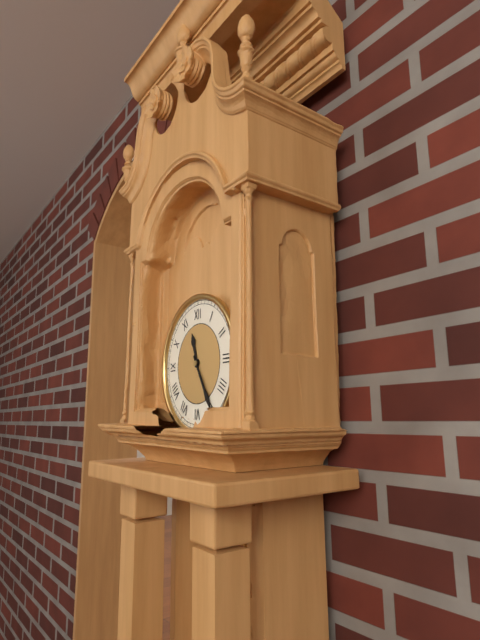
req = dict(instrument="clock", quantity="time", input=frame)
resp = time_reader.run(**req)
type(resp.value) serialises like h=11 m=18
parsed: h=11 m=25
